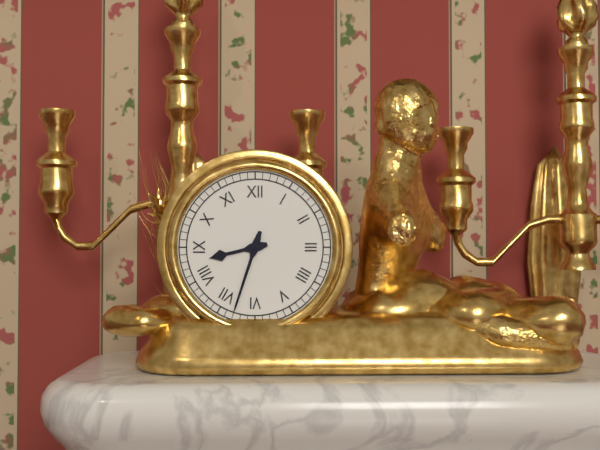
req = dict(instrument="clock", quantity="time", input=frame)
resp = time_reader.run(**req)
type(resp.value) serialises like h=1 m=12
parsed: h=8 m=33
